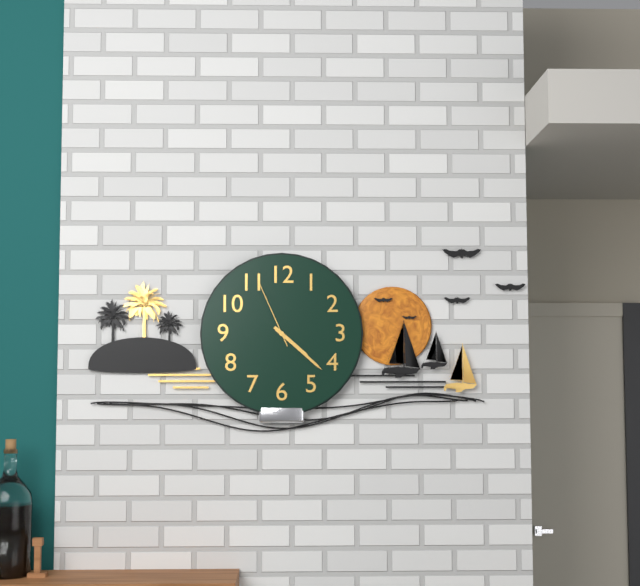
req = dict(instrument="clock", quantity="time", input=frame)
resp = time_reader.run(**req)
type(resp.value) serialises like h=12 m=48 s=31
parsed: h=4 m=22 s=56
